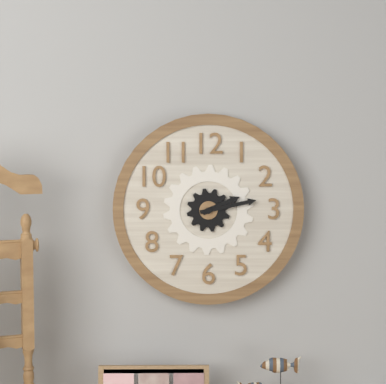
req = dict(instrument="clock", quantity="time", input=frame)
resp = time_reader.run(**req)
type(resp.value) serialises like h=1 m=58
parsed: h=2 m=13
